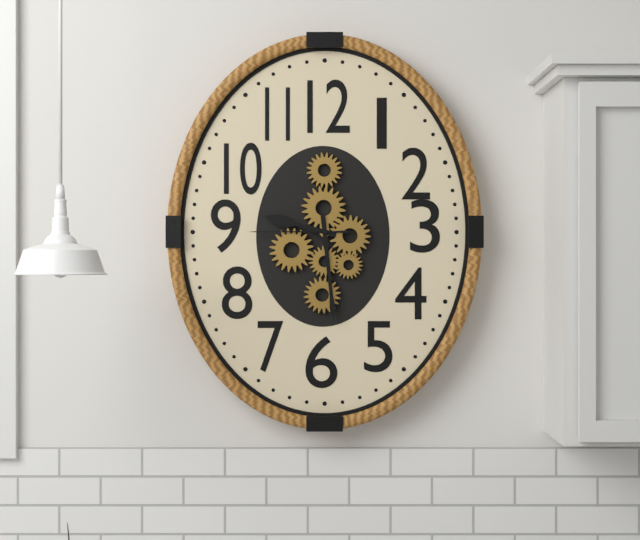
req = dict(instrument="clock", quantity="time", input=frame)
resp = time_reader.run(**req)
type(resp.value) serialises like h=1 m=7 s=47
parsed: h=9 m=29 s=45
